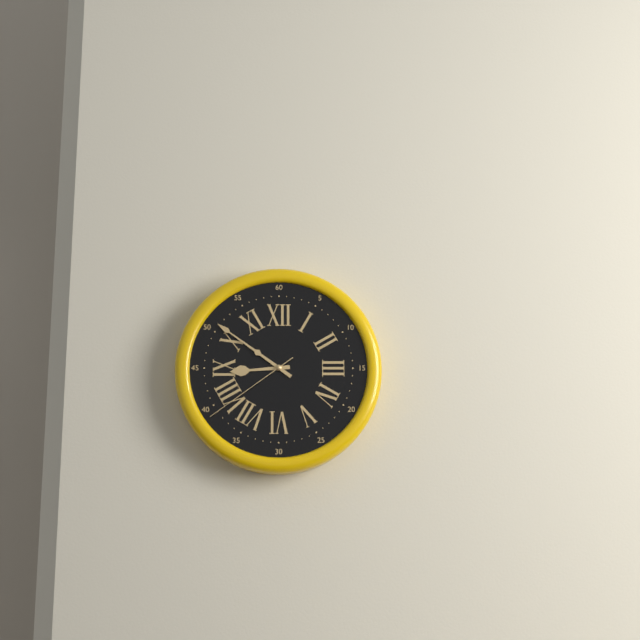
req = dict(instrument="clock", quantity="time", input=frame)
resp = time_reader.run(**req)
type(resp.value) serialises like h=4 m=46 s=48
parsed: h=8 m=51 s=39
